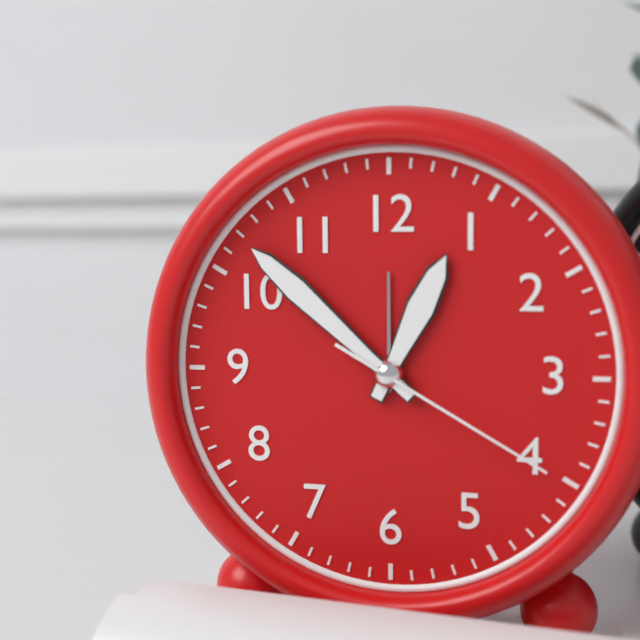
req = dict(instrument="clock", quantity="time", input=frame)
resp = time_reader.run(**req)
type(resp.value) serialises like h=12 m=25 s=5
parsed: h=12 m=52 s=20
